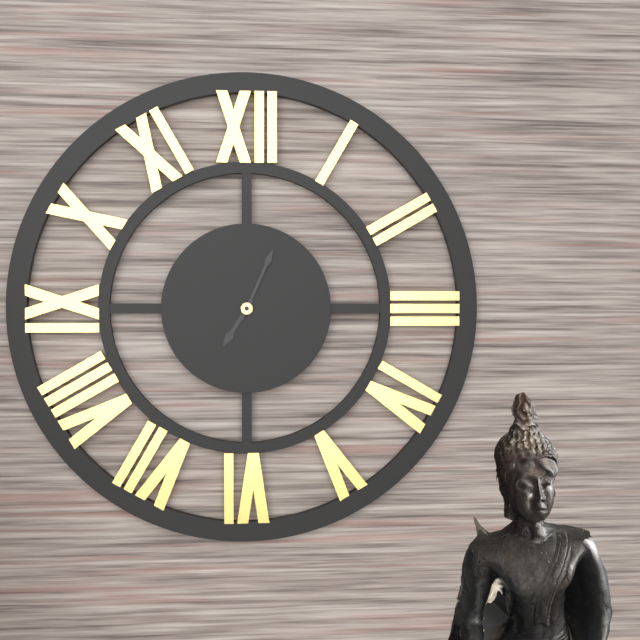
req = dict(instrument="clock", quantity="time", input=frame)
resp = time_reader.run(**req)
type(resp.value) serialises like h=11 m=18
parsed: h=7 m=4
